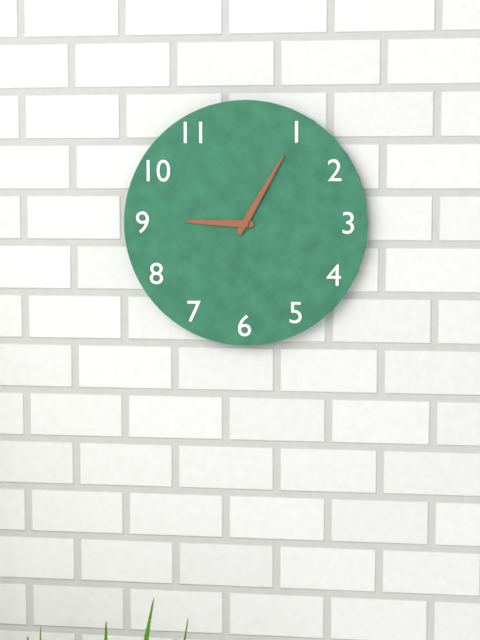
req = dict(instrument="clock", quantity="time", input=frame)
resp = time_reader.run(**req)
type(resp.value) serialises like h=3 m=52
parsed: h=9 m=5
